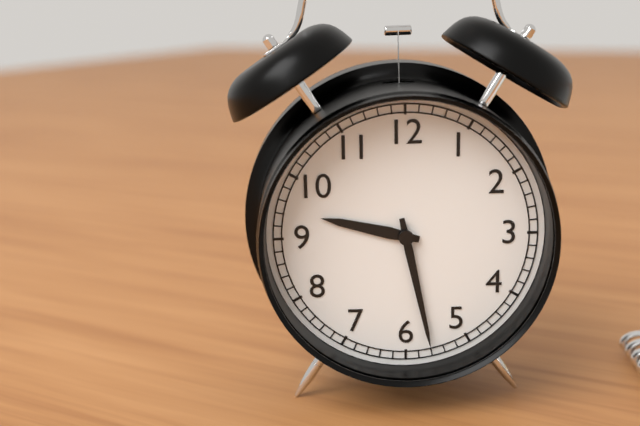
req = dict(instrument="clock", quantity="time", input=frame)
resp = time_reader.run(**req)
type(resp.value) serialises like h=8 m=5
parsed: h=9 m=28
